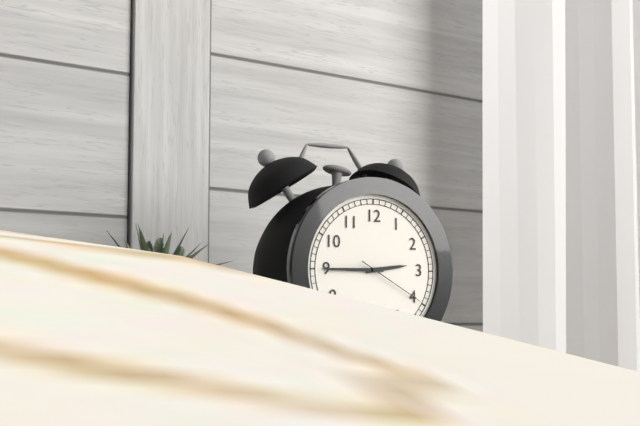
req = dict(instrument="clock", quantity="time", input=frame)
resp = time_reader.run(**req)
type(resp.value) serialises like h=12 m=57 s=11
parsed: h=2 m=45 s=20
